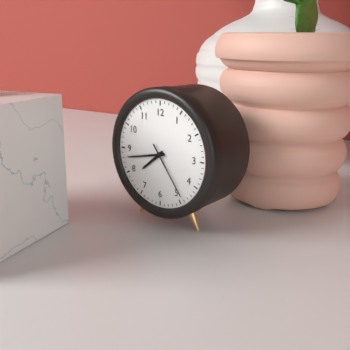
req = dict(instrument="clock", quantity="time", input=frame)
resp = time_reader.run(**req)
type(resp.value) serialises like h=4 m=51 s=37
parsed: h=7 m=43 s=24
